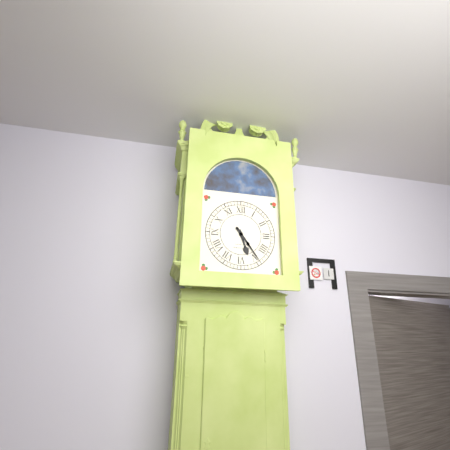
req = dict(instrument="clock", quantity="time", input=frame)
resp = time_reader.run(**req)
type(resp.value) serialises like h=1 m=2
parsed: h=5 m=24
